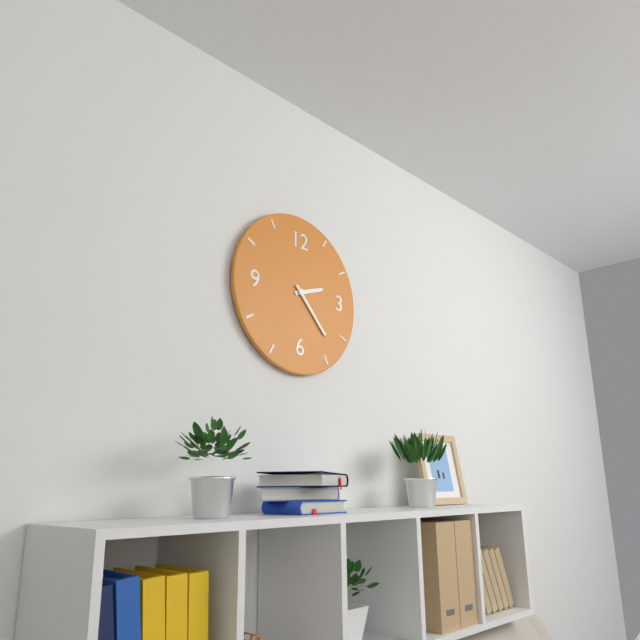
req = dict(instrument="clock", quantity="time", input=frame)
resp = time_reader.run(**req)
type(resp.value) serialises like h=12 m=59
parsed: h=2 m=23
